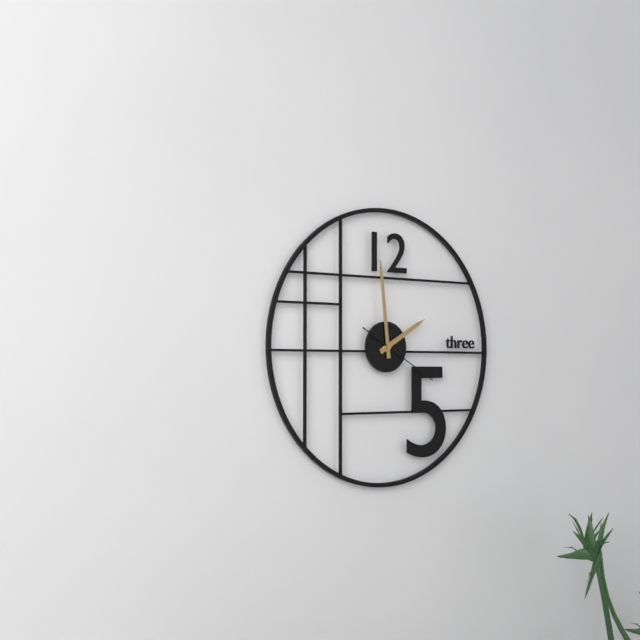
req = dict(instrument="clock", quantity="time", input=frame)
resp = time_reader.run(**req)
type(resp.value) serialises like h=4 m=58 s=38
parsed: h=1 m=59 s=20
